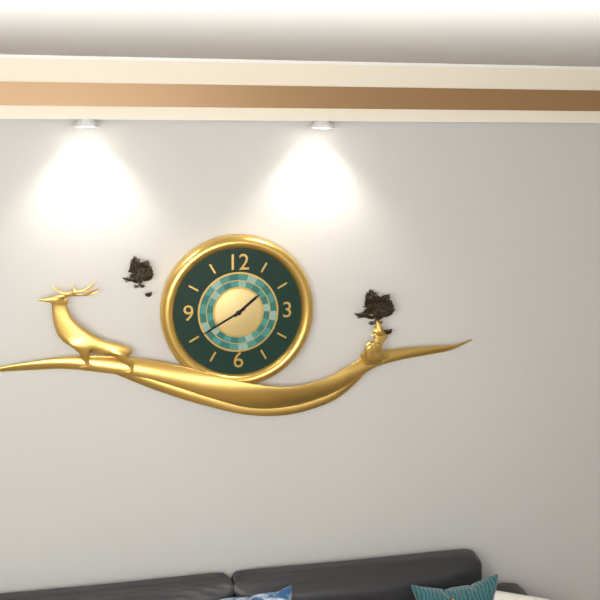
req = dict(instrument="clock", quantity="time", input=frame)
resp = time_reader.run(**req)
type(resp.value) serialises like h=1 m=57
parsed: h=1 m=40
